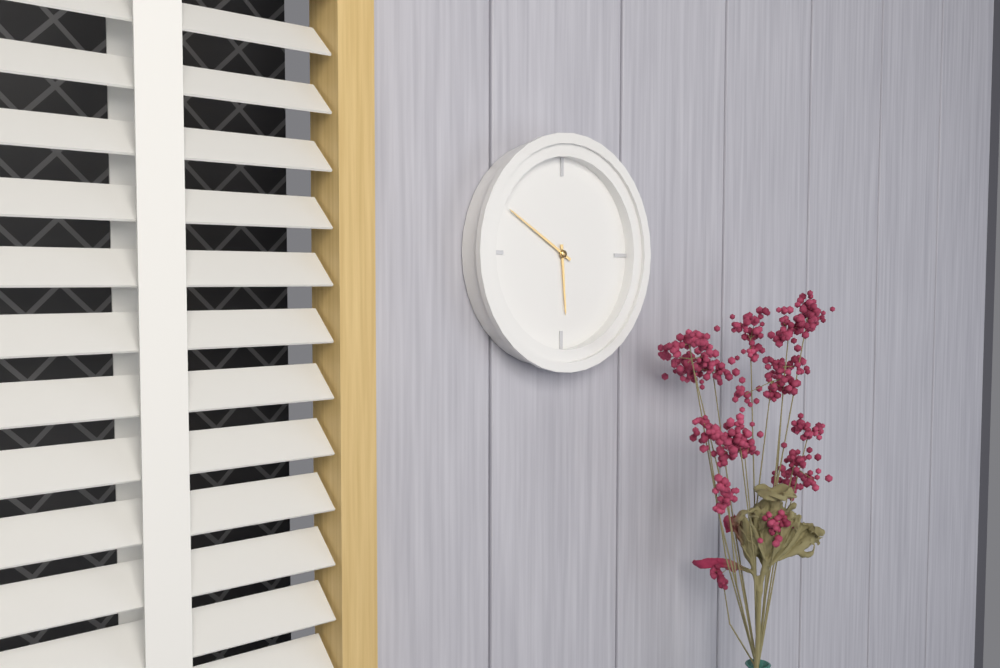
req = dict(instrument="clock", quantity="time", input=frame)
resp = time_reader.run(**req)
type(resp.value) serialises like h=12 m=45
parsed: h=5 m=50
